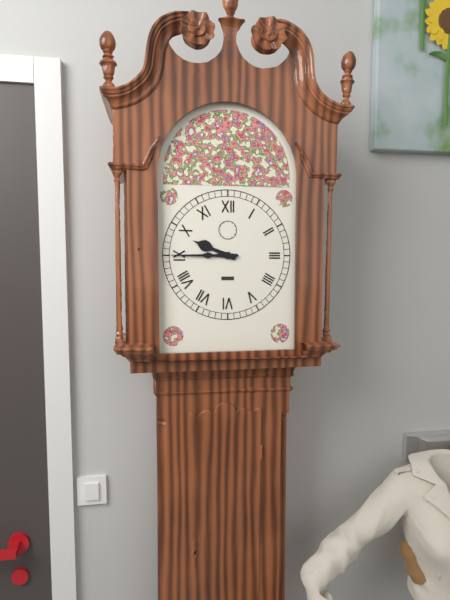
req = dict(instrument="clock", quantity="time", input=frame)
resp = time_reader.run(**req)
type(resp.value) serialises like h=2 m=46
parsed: h=9 m=45
